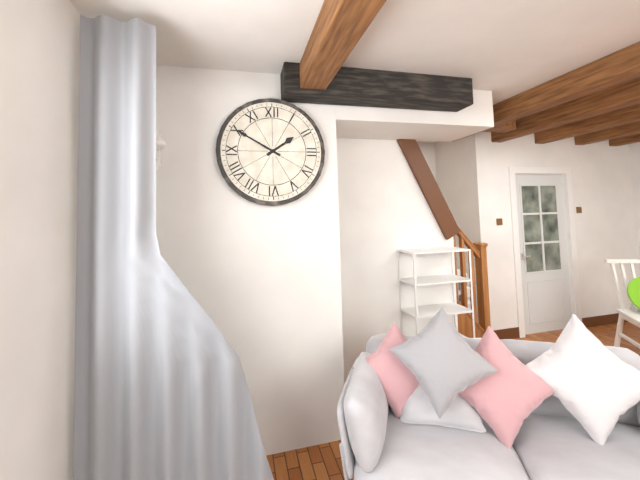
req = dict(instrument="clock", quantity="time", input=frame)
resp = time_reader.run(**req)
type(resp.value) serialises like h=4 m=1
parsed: h=1 m=50
